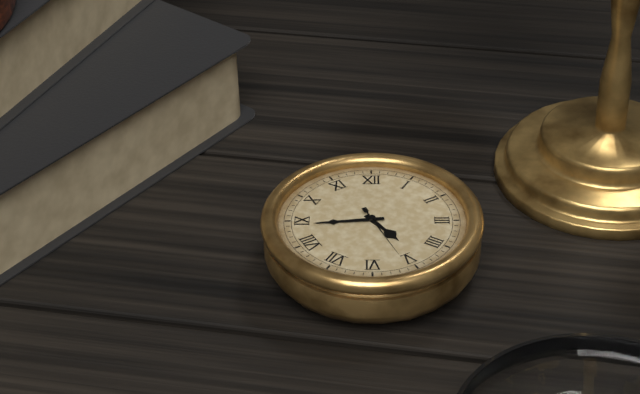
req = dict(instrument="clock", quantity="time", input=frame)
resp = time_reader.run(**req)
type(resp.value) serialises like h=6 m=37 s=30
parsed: h=4 m=44 s=26
